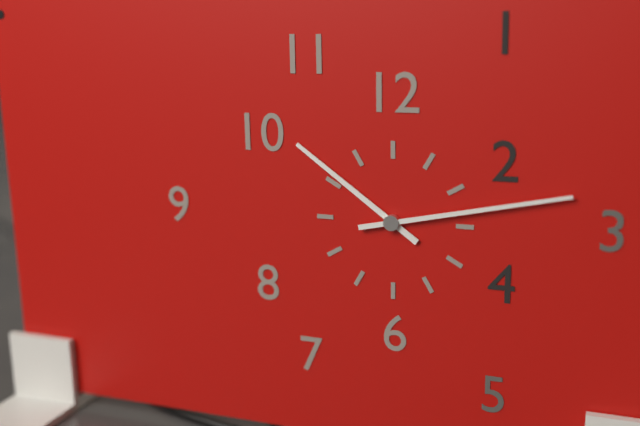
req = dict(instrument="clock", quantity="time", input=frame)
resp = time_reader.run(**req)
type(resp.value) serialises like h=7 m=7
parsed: h=10 m=13
